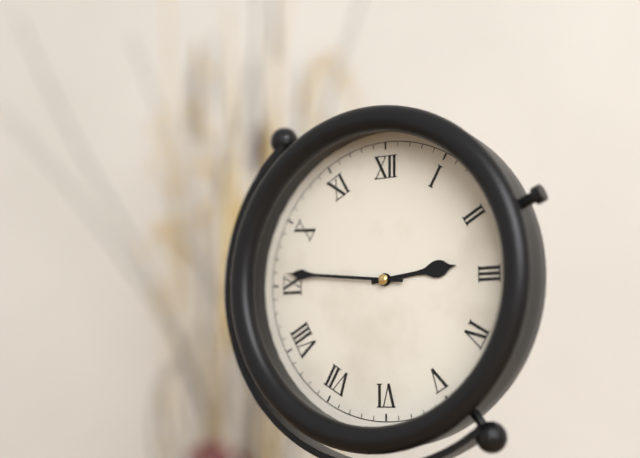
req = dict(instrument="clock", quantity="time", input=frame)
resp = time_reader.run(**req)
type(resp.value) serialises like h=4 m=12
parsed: h=2 m=46
